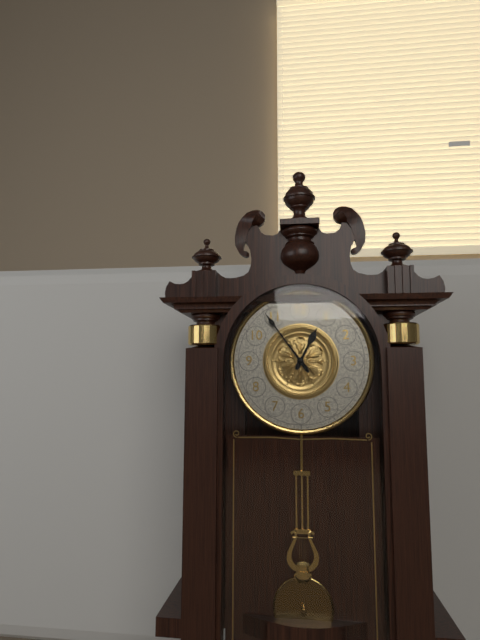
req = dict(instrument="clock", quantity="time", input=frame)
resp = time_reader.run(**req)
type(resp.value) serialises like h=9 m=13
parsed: h=12 m=54
